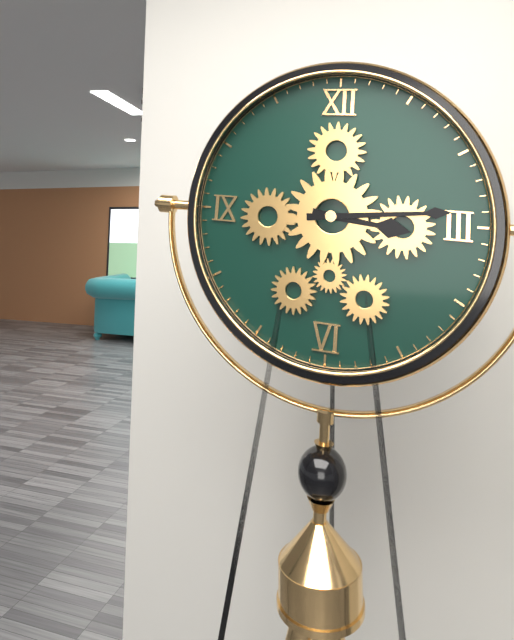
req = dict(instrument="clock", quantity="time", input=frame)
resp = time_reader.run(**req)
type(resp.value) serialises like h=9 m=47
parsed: h=3 m=14
